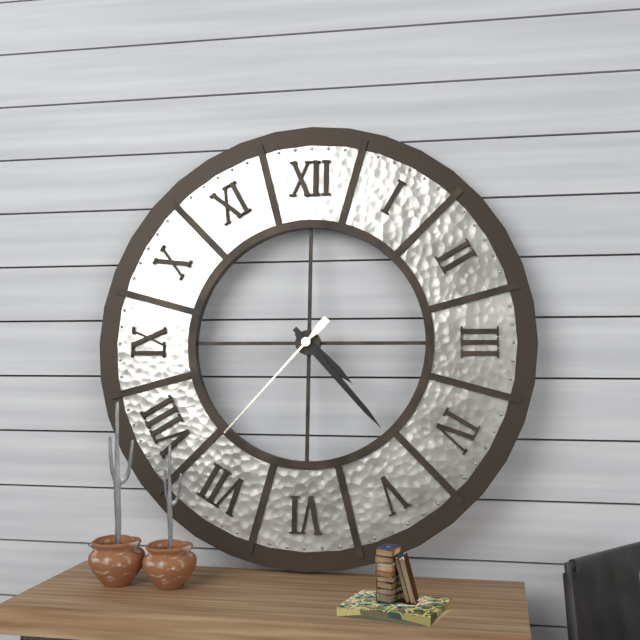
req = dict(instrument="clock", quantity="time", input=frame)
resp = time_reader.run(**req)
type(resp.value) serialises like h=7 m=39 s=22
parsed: h=4 m=23 s=37
